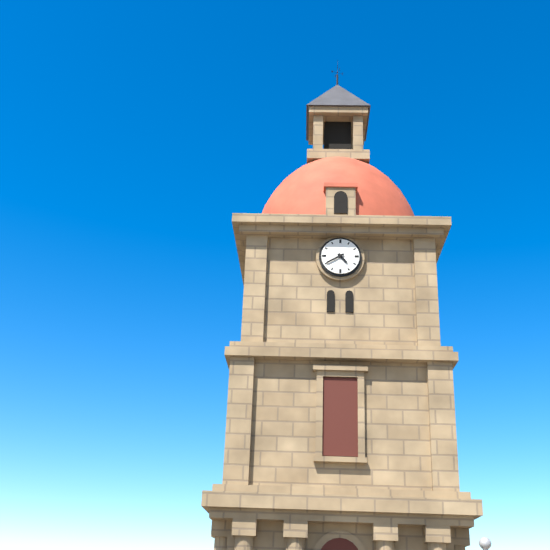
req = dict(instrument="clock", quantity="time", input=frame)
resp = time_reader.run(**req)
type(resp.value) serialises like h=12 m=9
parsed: h=4 m=40
